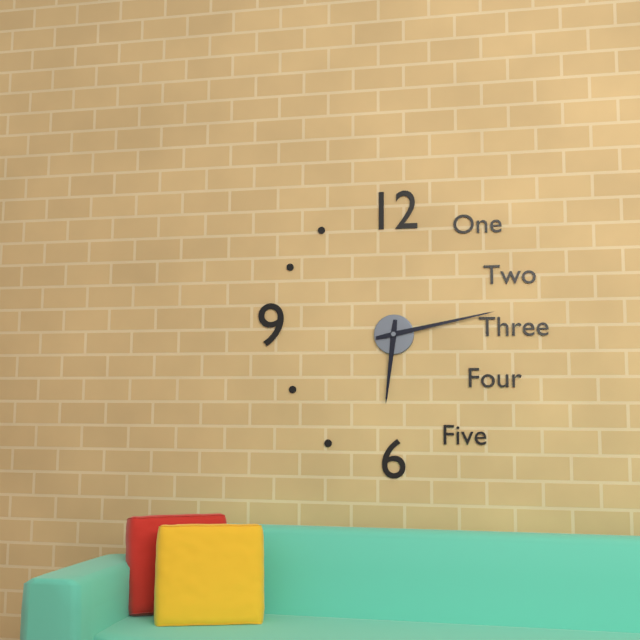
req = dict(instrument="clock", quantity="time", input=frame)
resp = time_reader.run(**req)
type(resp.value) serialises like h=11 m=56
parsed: h=6 m=13
